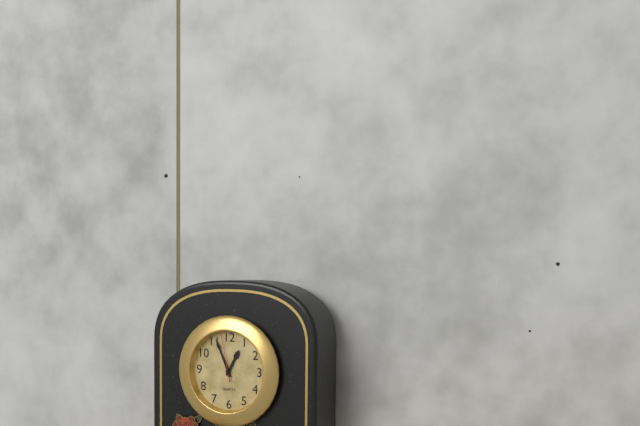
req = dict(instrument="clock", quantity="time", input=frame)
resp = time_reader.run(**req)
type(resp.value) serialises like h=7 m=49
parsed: h=12 m=56
